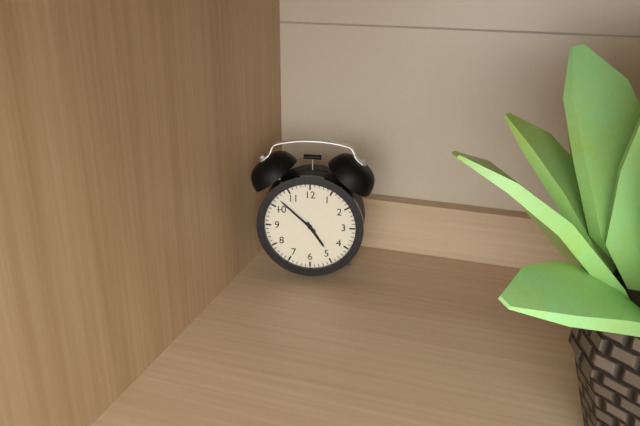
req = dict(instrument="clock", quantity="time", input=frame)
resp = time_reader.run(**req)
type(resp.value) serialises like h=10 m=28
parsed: h=4 m=52
